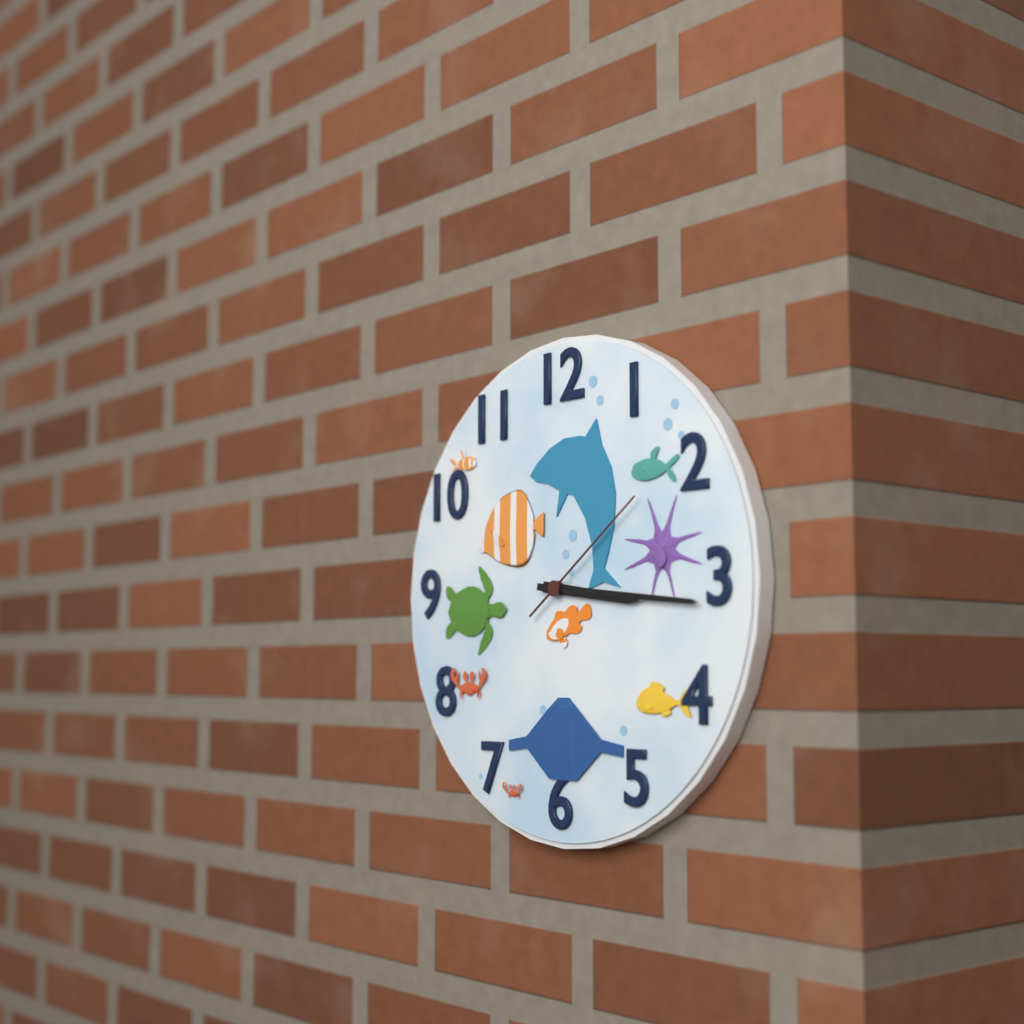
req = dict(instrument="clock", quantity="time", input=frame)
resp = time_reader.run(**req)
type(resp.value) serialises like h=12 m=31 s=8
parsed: h=3 m=16 s=9
